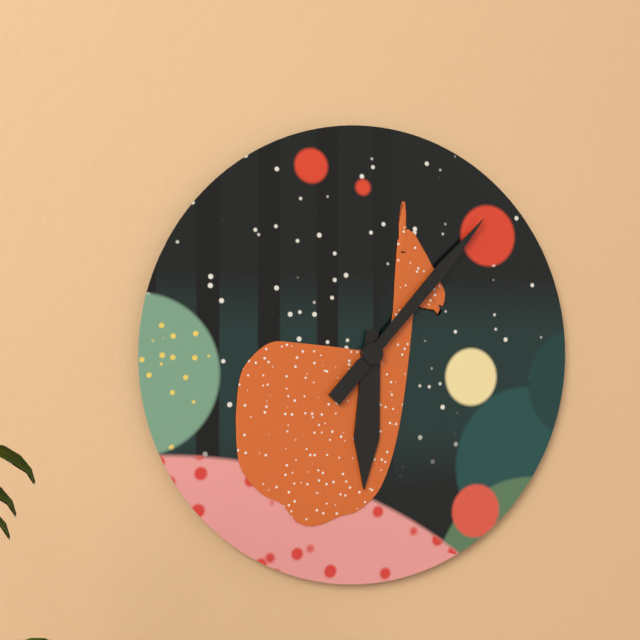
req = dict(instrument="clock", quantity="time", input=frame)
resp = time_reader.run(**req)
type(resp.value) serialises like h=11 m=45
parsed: h=6 m=7
